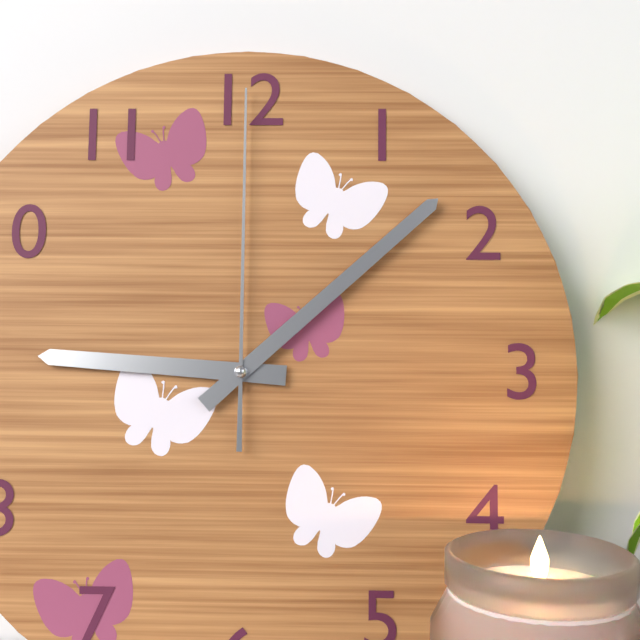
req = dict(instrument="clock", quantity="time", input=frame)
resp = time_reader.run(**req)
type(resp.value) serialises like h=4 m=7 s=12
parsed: h=9 m=8 s=0
